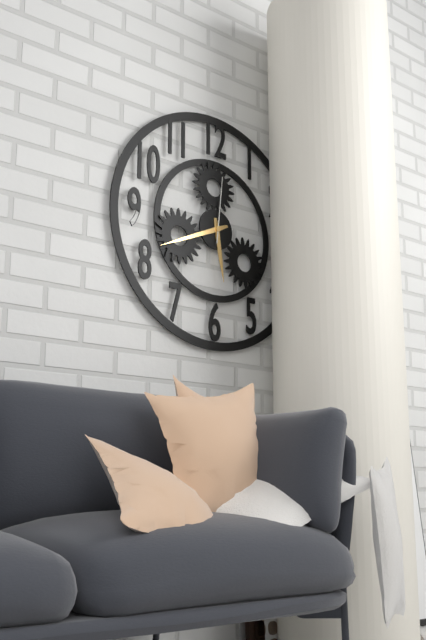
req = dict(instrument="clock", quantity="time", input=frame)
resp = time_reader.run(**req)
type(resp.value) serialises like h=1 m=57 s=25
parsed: h=5 m=41 s=1
